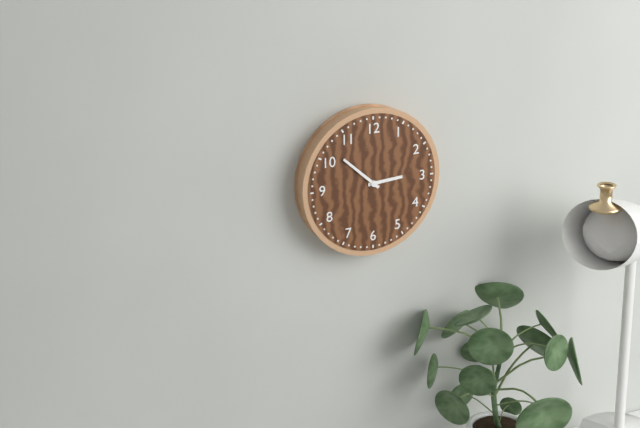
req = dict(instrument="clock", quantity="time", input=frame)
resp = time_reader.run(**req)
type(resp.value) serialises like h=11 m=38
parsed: h=2 m=52
